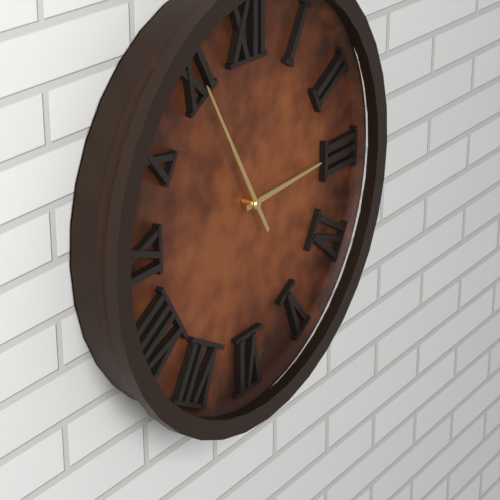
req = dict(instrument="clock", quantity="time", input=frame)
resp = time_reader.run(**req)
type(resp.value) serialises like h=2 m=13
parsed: h=2 m=55
